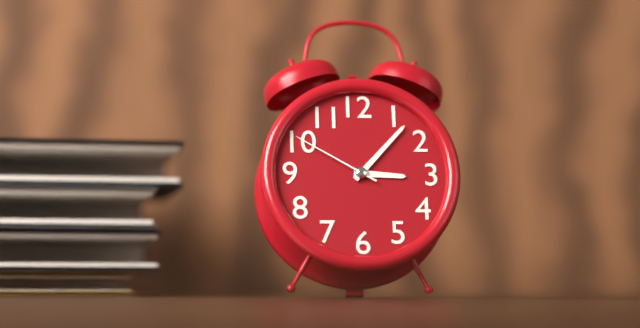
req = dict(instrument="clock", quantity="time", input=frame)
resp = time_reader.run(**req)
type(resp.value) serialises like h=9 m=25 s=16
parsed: h=3 m=7 s=50
